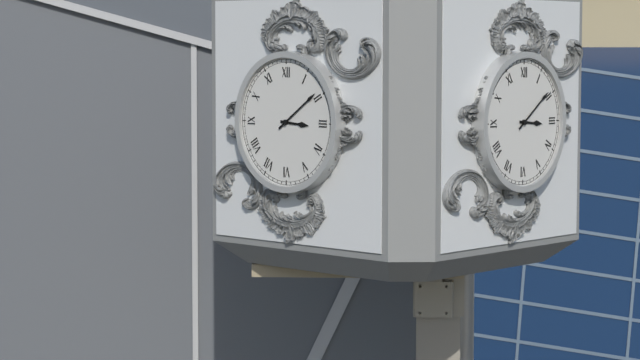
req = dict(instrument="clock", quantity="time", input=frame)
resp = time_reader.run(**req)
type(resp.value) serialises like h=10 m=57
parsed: h=3 m=9
